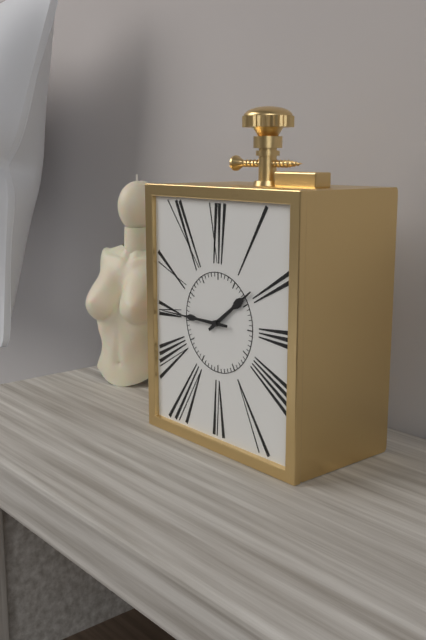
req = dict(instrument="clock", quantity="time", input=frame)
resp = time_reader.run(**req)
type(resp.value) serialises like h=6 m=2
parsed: h=1 m=45
